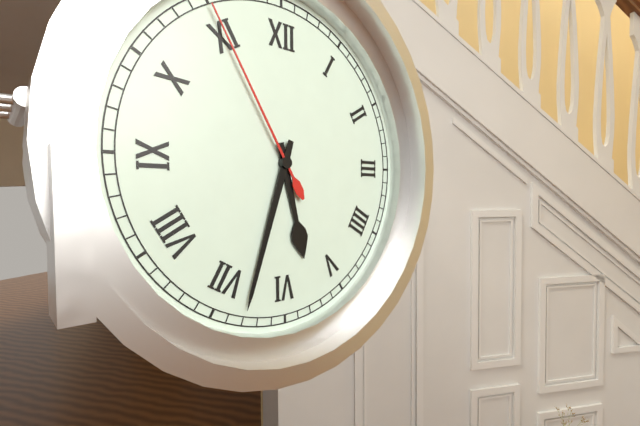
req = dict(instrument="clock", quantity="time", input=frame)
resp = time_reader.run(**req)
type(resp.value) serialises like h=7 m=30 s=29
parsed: h=5 m=33 s=55
